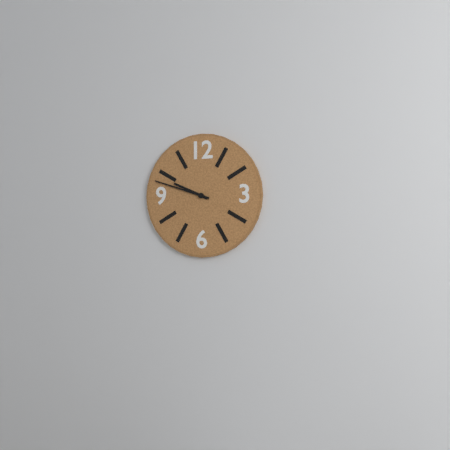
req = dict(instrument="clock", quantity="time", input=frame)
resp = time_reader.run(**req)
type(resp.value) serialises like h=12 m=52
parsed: h=9 m=48
